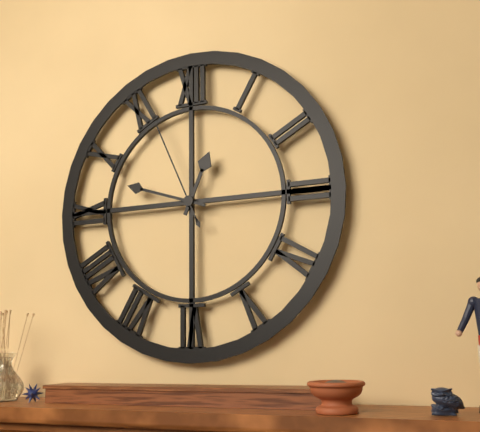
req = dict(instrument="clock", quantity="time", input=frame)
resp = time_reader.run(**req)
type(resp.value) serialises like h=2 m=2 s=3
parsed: h=12 m=48 s=56
